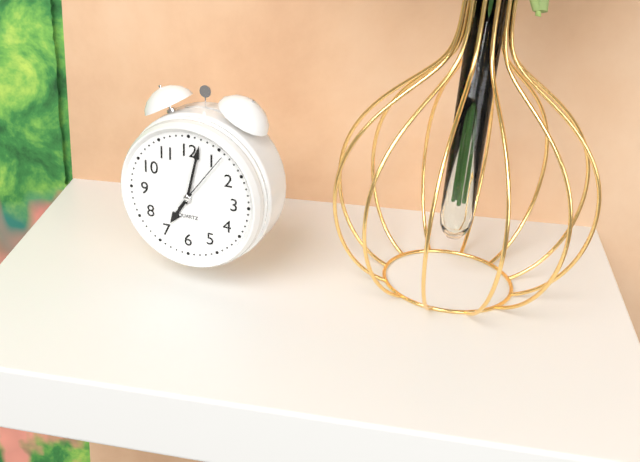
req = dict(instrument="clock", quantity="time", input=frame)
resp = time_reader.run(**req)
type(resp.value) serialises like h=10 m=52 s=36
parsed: h=7 m=2 s=6
